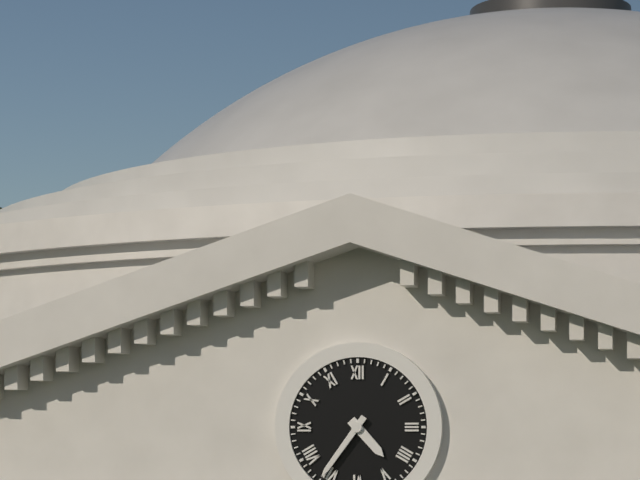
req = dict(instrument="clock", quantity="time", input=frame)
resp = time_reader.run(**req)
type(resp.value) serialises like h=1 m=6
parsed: h=4 m=36
